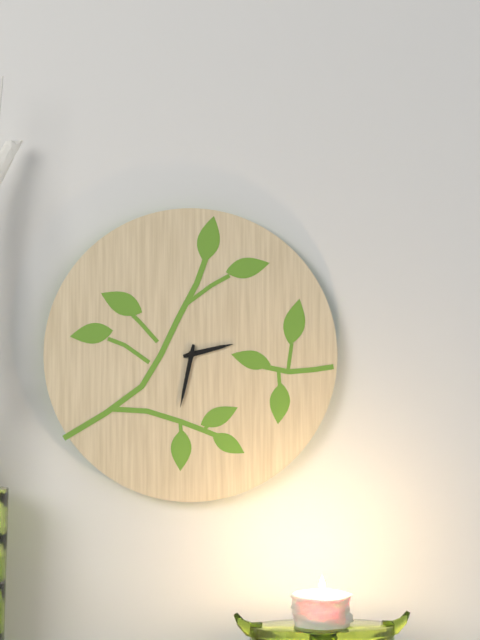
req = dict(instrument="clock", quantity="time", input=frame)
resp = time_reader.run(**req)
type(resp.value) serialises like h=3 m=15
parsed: h=2 m=32
